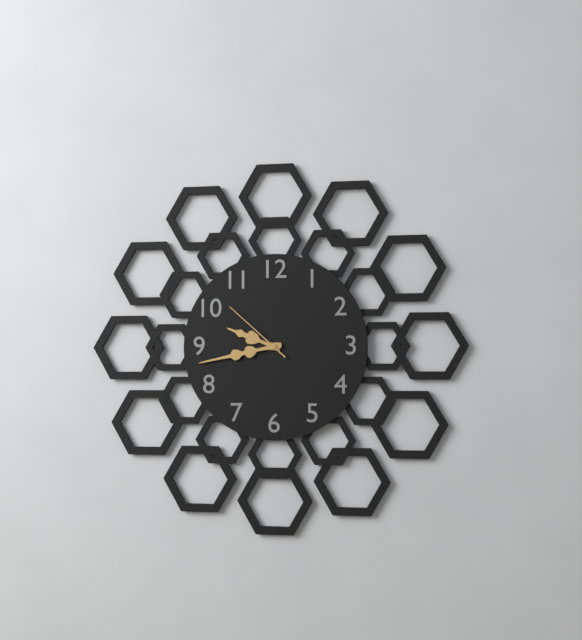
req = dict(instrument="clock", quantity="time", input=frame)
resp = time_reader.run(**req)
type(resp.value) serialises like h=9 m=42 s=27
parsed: h=9 m=43 s=52
